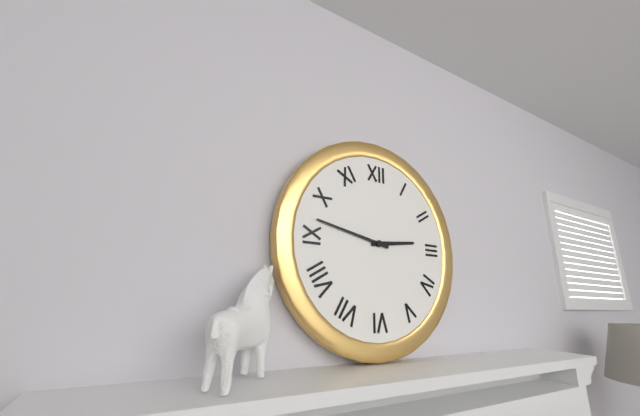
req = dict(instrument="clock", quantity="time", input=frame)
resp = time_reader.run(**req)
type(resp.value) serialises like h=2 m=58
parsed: h=2 m=47
